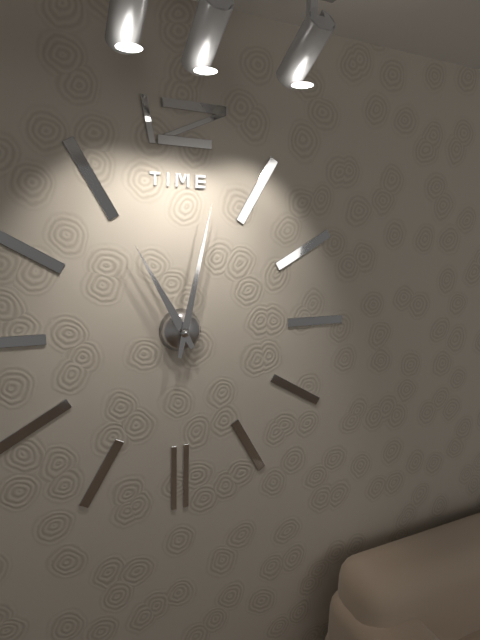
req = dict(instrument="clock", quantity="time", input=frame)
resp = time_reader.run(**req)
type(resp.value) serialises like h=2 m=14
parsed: h=11 m=2
